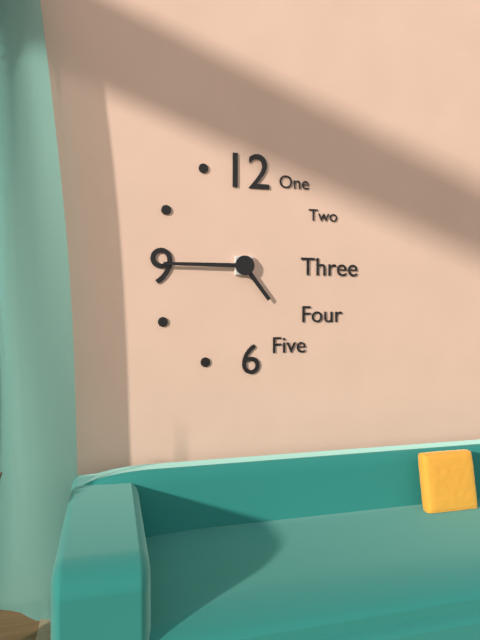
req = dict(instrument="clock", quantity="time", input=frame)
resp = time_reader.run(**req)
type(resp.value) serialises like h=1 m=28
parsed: h=4 m=45
